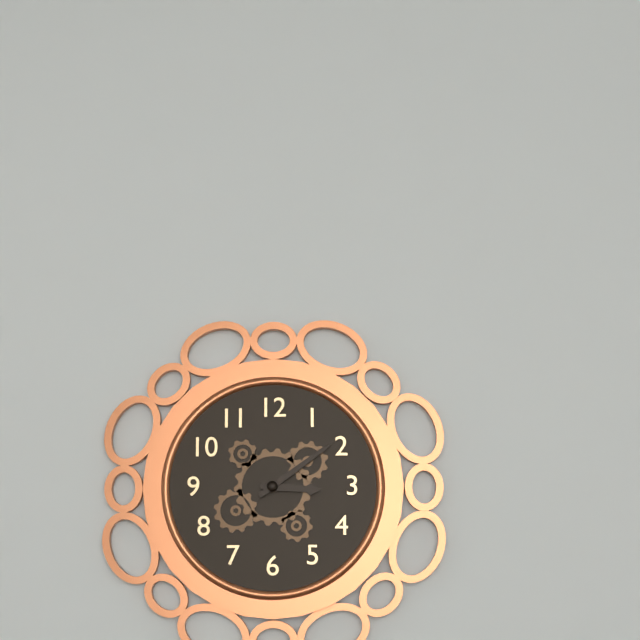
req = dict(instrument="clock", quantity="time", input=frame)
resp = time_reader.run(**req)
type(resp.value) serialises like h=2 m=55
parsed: h=3 m=9
